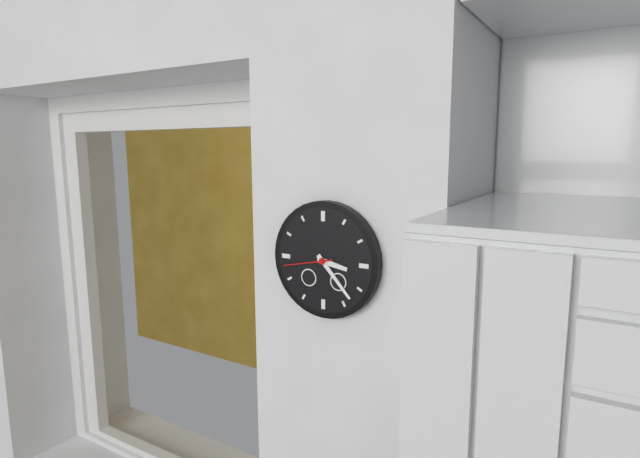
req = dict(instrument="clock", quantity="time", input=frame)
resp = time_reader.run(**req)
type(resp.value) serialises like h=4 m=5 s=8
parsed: h=3 m=23 s=43
